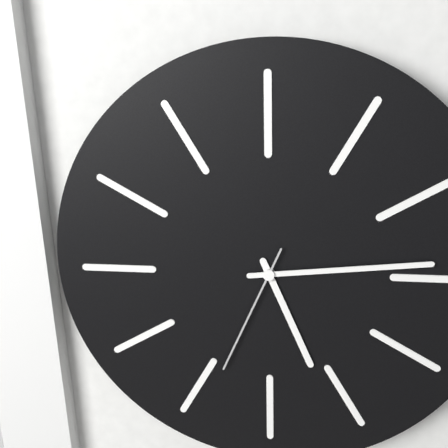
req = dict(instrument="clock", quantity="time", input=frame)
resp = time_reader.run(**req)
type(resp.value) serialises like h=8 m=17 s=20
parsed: h=5 m=14 s=34
